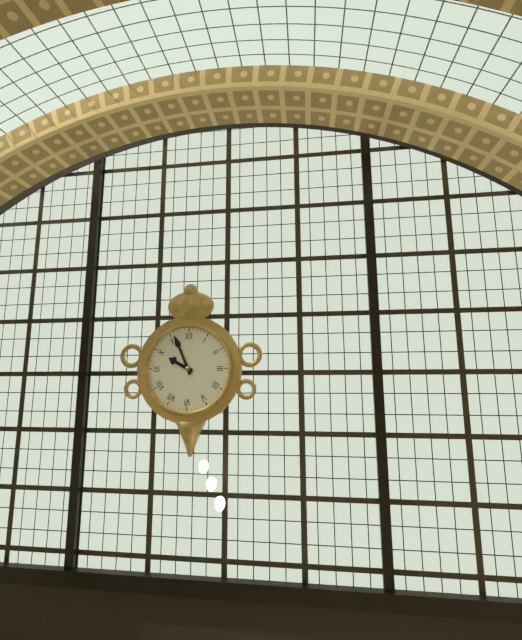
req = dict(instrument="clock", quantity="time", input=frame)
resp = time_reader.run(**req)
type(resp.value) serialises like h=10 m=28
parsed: h=9 m=56
